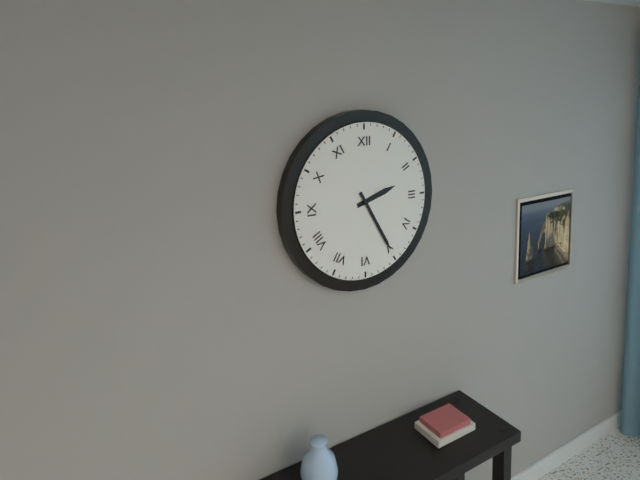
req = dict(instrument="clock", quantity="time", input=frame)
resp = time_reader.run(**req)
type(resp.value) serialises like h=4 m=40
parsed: h=2 m=25
